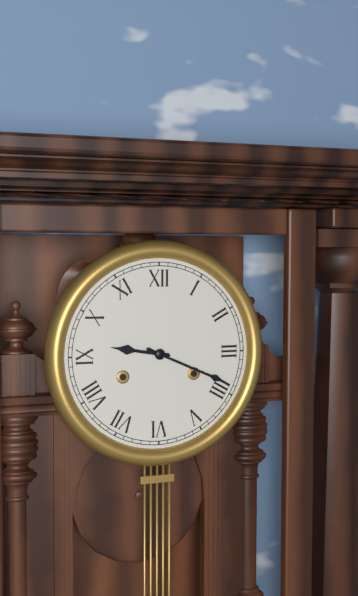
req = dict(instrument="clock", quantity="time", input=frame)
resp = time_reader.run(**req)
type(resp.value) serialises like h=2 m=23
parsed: h=9 m=19
